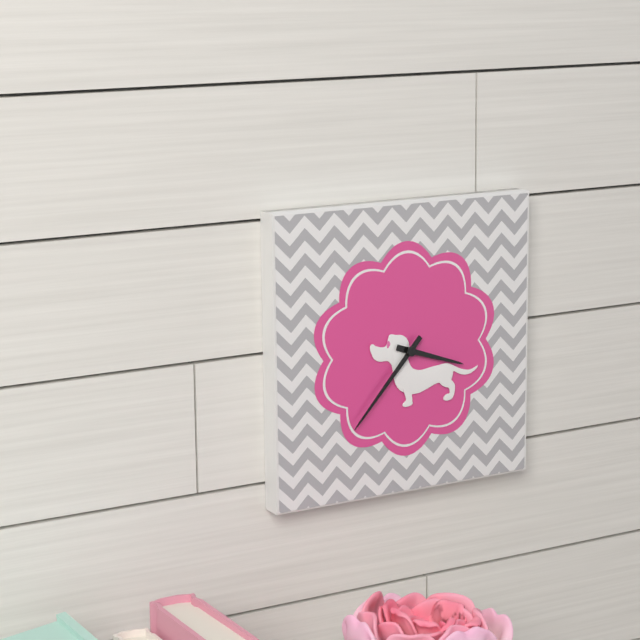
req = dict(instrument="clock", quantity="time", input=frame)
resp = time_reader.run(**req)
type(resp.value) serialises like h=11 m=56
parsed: h=3 m=37
